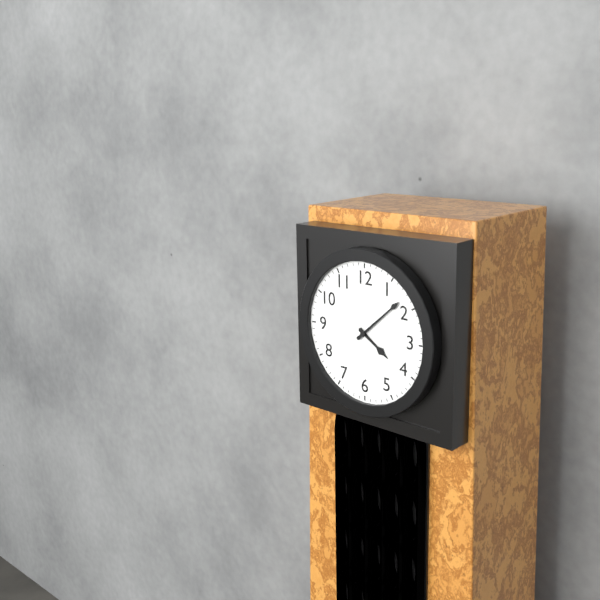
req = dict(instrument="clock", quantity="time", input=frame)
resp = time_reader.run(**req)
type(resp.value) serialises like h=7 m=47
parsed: h=4 m=8
